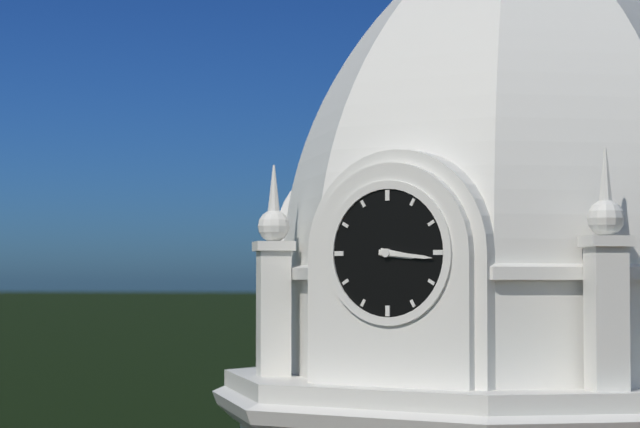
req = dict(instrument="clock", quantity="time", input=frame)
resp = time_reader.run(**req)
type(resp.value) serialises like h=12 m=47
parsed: h=3 m=16
